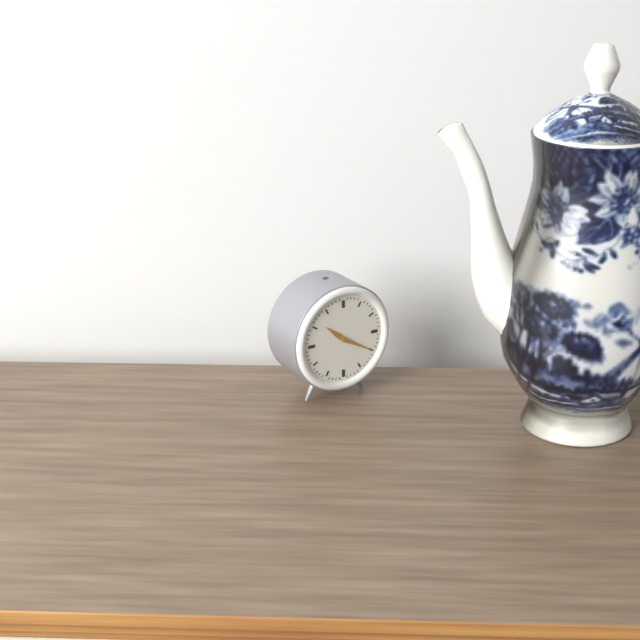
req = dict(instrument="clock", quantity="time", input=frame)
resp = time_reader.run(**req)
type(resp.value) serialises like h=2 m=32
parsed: h=10 m=20
